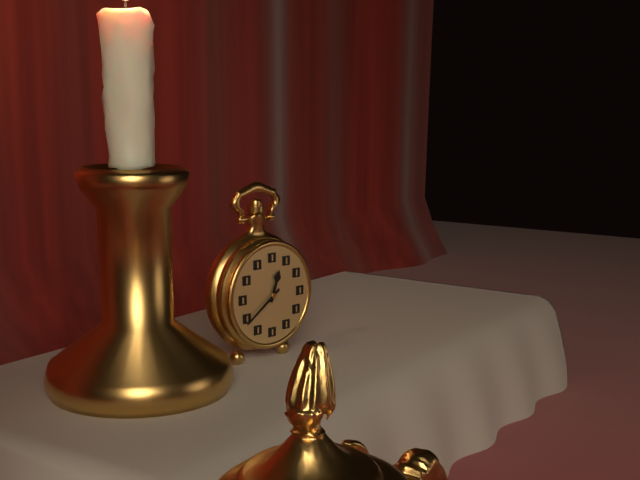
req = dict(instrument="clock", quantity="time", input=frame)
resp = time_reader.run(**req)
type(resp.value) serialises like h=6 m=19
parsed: h=12 m=39
